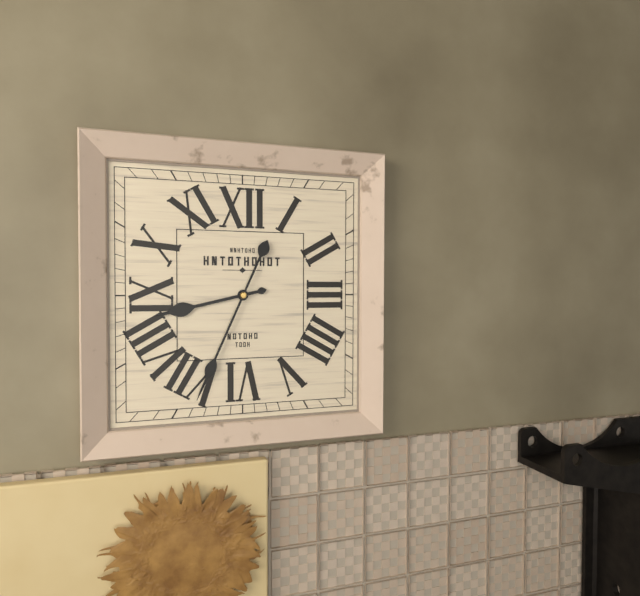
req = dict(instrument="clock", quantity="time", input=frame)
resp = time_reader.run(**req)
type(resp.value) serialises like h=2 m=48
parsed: h=8 m=34
